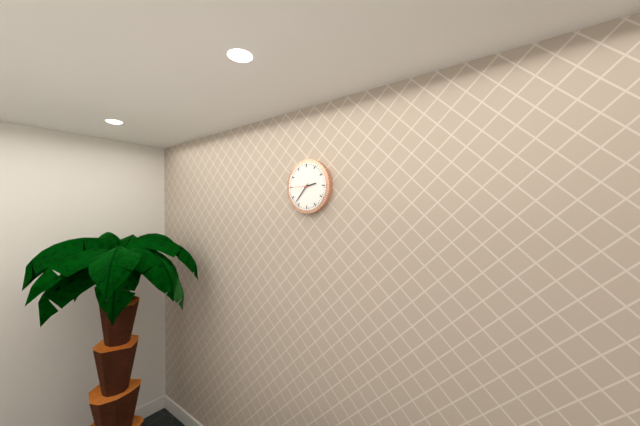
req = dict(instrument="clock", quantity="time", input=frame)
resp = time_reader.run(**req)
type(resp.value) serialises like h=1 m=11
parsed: h=2 m=37
